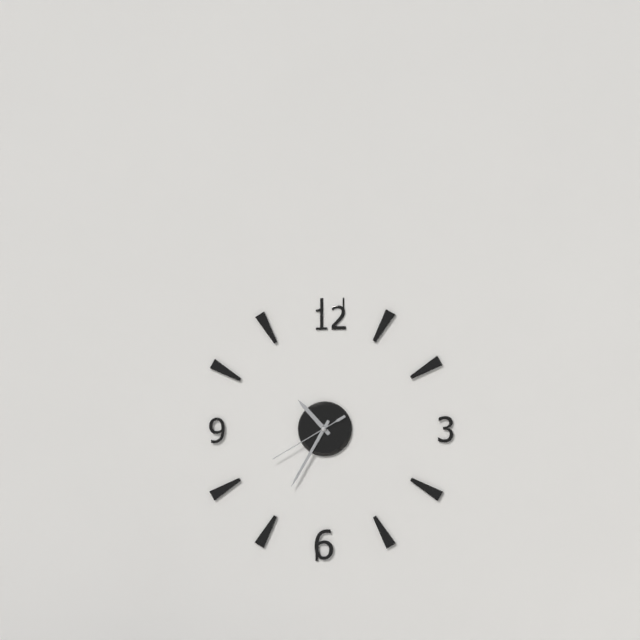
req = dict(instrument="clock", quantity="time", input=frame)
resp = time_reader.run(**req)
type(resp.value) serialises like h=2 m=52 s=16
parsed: h=10 m=35 s=40
